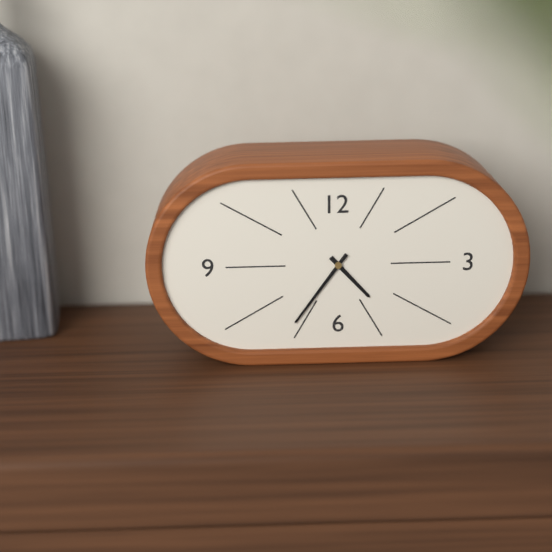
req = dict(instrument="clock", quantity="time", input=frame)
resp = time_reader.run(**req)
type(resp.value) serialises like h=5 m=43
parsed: h=4 m=36
